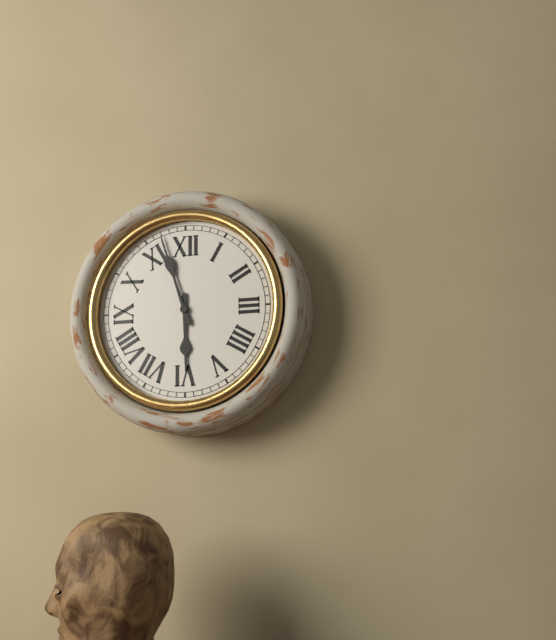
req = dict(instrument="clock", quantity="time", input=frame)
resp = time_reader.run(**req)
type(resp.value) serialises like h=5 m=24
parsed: h=5 m=57
